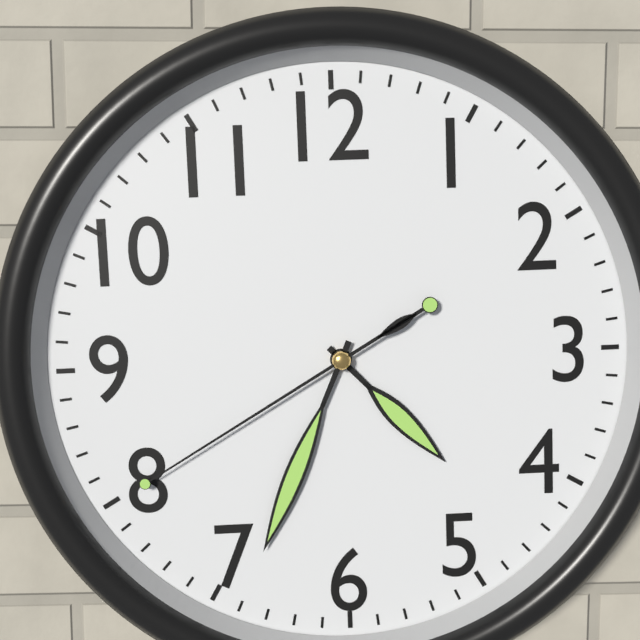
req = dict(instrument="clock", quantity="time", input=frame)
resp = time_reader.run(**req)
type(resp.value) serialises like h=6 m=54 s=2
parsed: h=4 m=34 s=40
